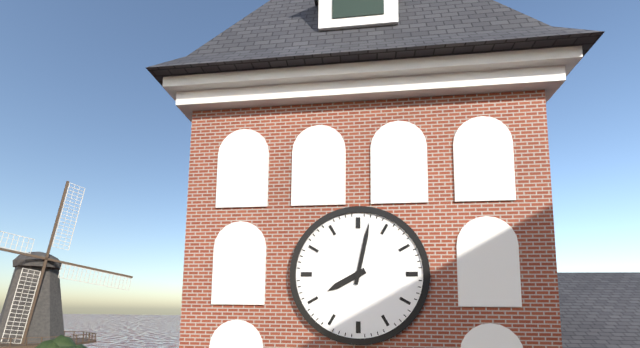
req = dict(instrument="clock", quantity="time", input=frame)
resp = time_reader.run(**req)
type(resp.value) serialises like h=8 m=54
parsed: h=8 m=2
